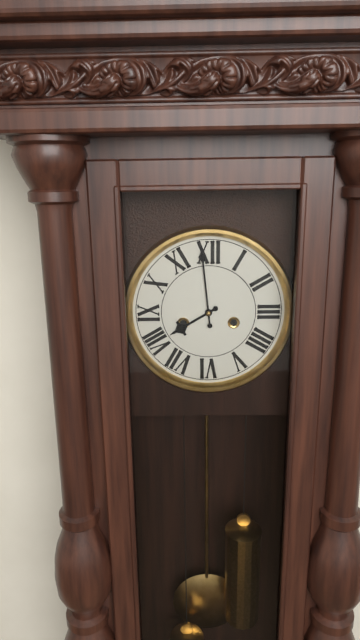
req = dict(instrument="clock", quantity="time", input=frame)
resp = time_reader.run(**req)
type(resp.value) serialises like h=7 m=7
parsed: h=7 m=59
